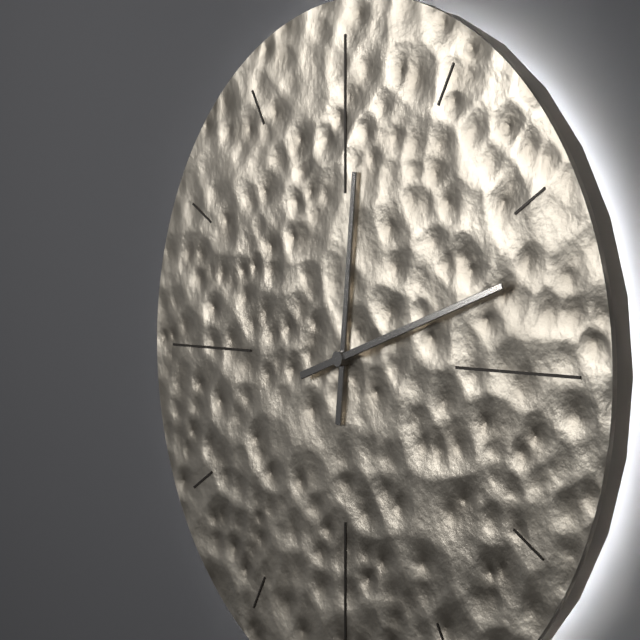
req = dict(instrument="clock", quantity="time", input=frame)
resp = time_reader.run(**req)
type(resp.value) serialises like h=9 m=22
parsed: h=12 m=12
